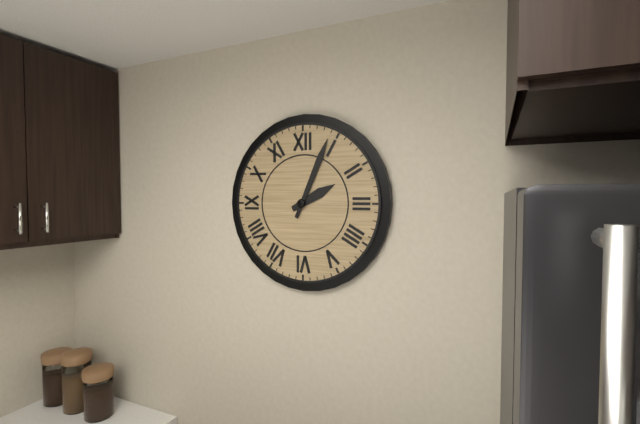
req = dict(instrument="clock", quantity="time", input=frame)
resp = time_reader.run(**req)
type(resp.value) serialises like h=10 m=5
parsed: h=2 m=4
